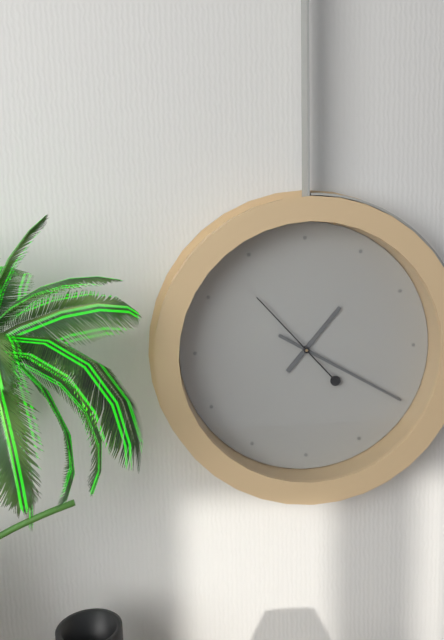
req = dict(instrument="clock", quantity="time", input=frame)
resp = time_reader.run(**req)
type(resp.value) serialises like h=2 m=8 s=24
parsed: h=1 m=20 s=53
